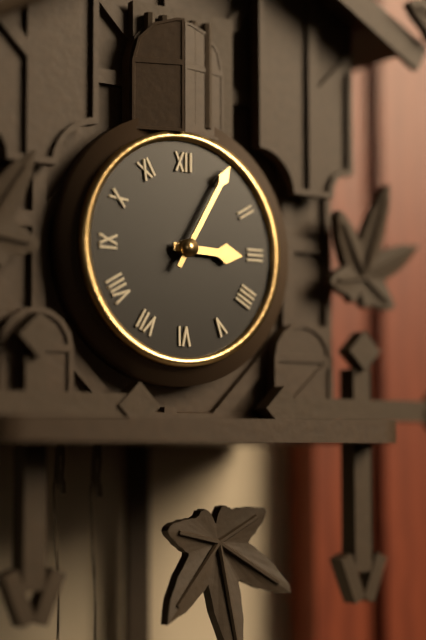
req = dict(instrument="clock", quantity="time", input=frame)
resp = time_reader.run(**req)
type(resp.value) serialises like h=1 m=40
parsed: h=3 m=5
